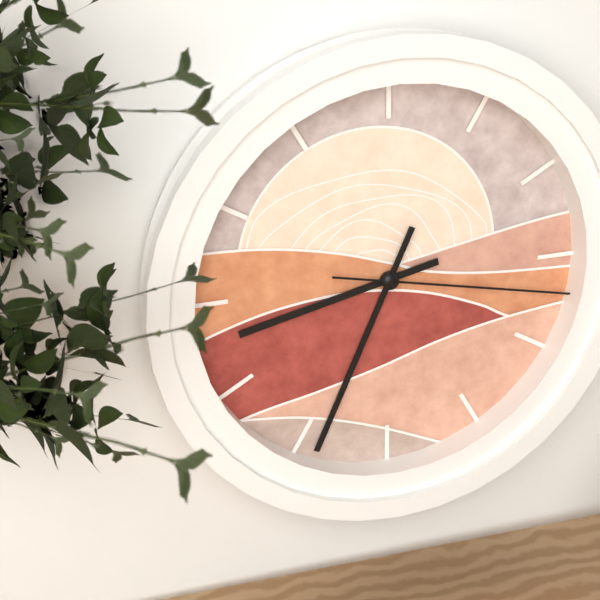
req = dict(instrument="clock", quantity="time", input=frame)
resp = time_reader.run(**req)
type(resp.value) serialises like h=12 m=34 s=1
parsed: h=8 m=34 s=17
